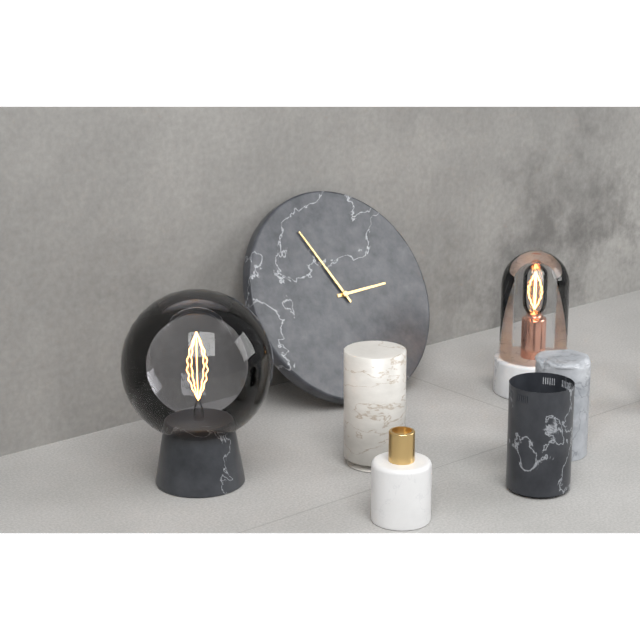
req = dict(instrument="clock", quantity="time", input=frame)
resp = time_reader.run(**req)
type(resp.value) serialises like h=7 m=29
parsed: h=2 m=56
